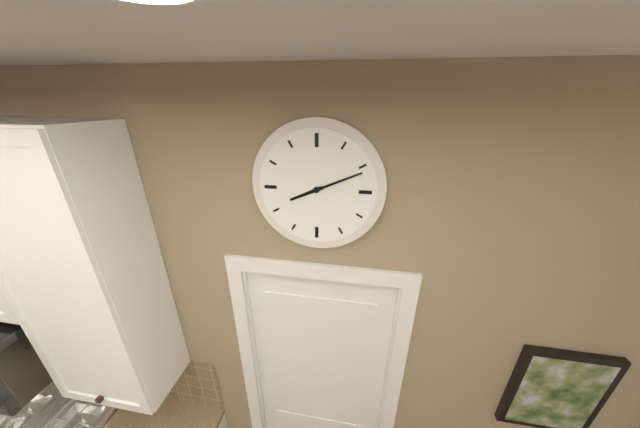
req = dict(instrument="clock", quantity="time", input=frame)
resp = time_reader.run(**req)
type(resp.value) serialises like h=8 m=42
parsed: h=8 m=11
